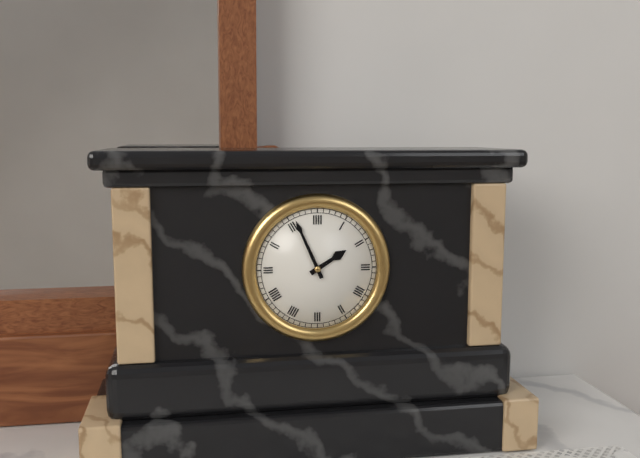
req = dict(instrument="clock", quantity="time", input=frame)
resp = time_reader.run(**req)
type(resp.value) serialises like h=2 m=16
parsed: h=1 m=56
